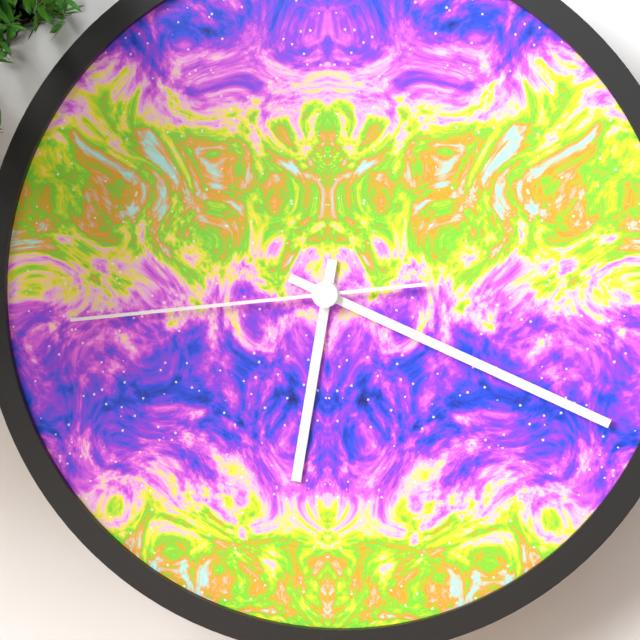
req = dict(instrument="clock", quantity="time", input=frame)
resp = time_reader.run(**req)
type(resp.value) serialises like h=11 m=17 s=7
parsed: h=6 m=19 s=44
